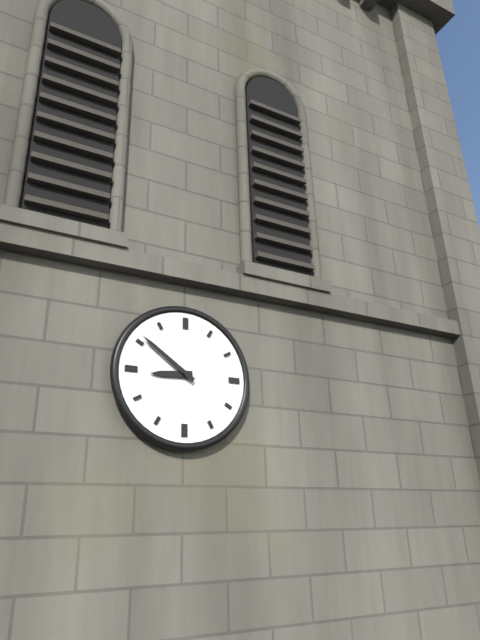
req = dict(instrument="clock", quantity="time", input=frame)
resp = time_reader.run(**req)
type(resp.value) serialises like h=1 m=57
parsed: h=8 m=51
